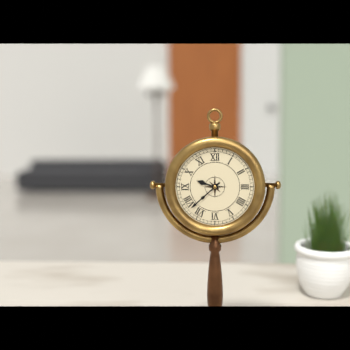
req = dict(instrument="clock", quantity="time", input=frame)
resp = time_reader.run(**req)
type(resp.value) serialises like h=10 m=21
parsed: h=9 m=38
